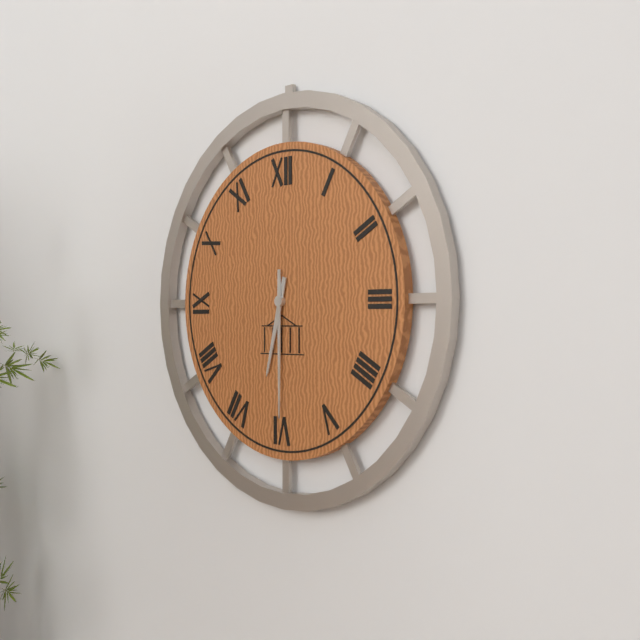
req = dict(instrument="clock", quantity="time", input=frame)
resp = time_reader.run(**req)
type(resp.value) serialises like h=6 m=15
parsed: h=6 m=30
